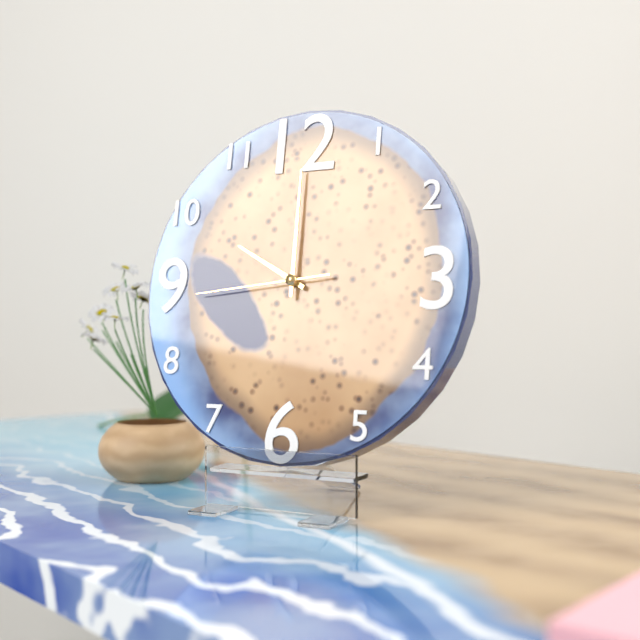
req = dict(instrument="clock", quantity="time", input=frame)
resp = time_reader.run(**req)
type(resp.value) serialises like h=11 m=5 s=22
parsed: h=10 m=0 s=44
